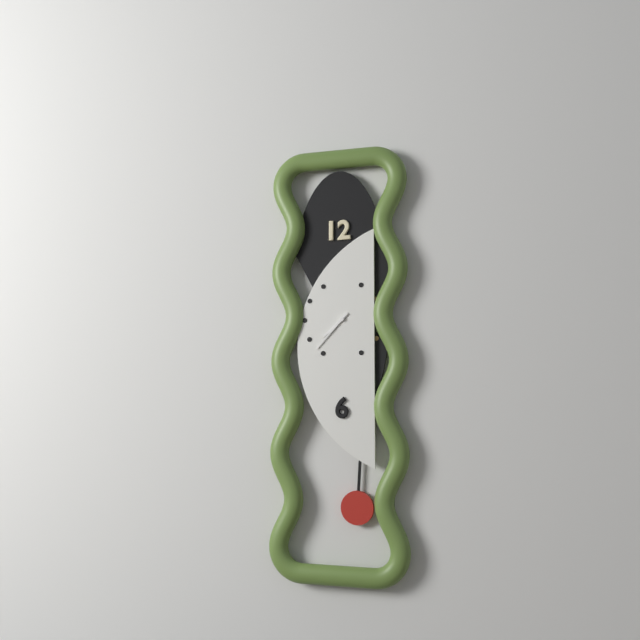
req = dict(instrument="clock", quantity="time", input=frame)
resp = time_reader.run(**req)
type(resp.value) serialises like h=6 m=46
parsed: h=7 m=37
